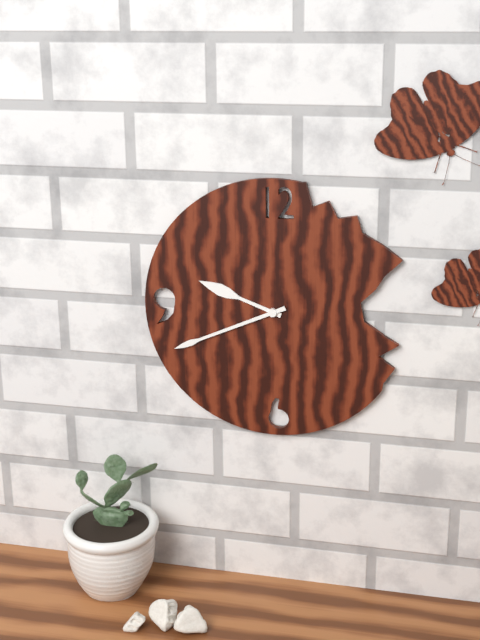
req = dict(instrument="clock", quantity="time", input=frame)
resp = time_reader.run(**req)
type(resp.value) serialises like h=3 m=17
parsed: h=9 m=41
